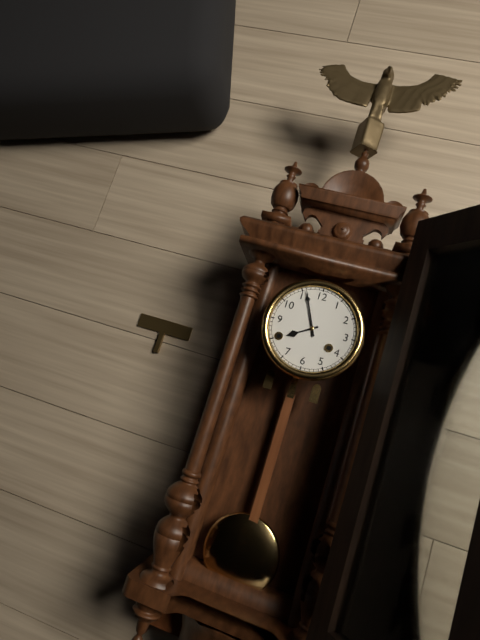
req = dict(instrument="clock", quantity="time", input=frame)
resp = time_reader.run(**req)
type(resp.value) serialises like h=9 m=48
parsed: h=7 m=56
